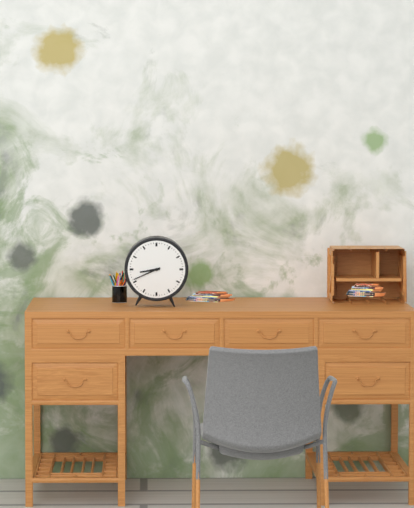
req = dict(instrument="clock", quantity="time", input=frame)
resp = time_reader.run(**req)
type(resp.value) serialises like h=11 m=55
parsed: h=8 m=41
